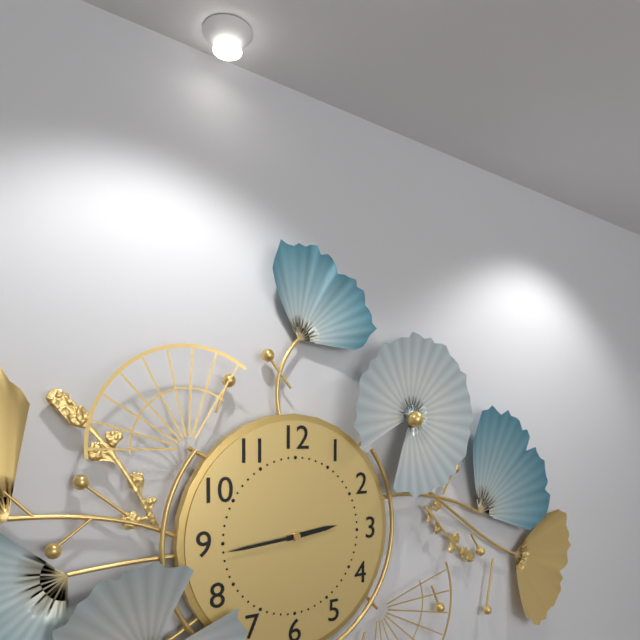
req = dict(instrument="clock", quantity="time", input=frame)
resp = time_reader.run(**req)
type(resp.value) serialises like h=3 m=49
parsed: h=2 m=44
